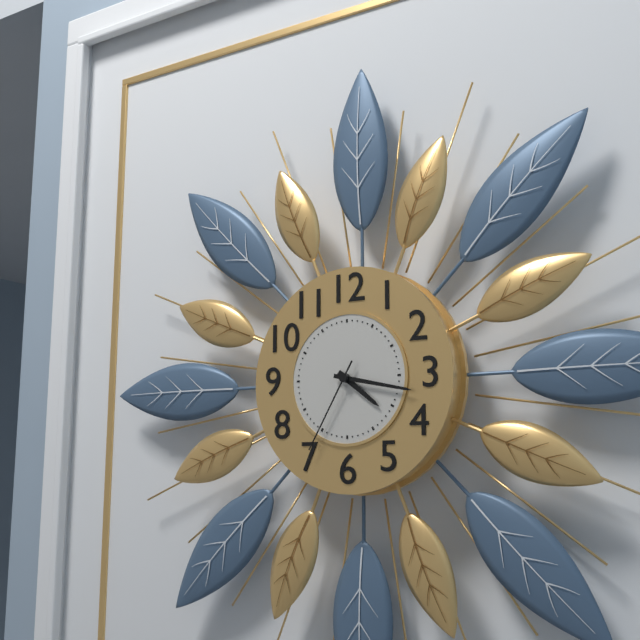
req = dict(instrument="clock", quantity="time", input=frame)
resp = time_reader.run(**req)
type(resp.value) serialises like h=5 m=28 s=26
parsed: h=4 m=17 s=35
